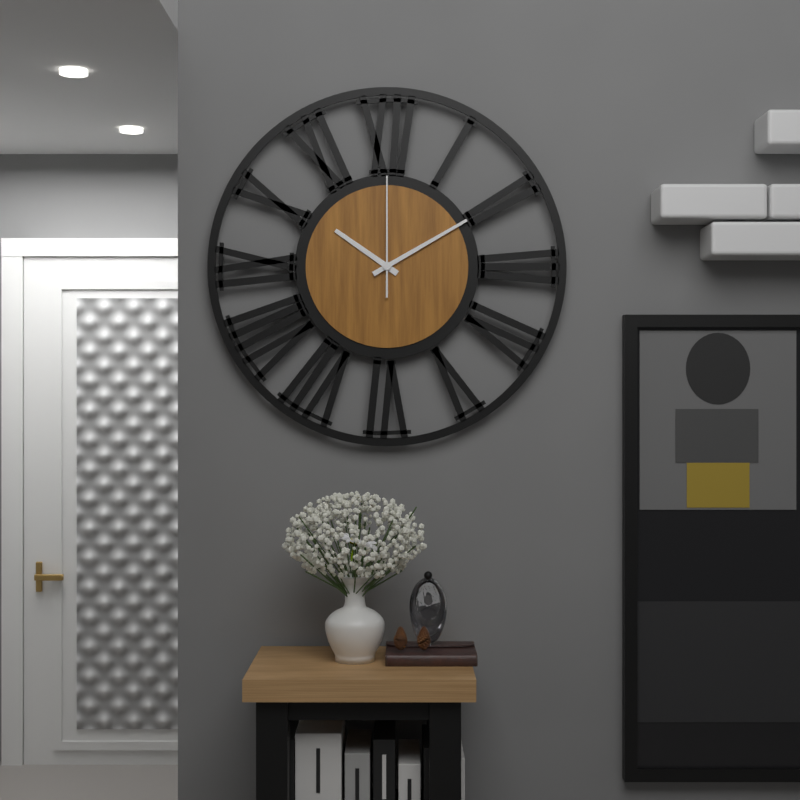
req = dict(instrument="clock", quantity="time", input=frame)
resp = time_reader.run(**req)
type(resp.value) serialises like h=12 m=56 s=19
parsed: h=10 m=10 s=0
